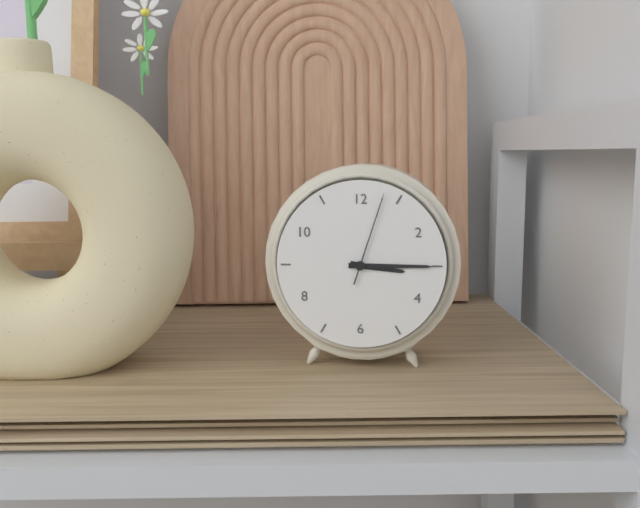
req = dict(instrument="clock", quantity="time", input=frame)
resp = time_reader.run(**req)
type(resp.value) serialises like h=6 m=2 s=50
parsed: h=3 m=15 s=3
